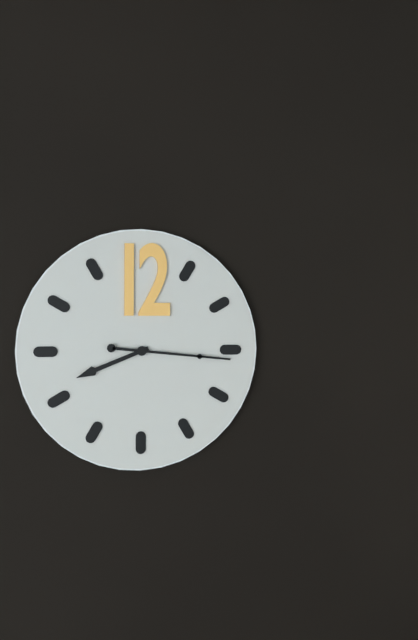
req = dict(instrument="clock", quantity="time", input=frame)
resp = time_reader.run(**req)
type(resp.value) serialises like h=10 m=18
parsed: h=8 m=16
